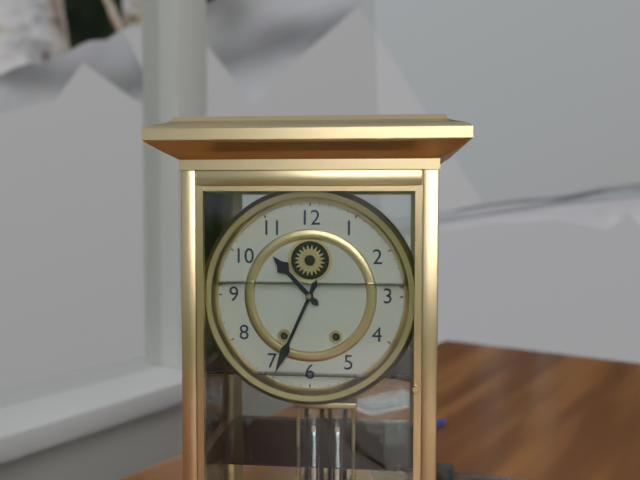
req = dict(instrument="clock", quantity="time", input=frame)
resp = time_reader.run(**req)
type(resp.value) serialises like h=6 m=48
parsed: h=10 m=34
